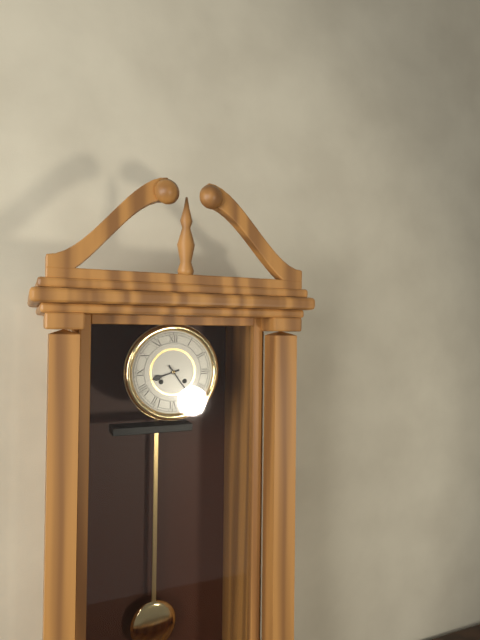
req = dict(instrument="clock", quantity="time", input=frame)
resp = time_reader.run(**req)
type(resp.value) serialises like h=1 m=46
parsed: h=8 m=24
